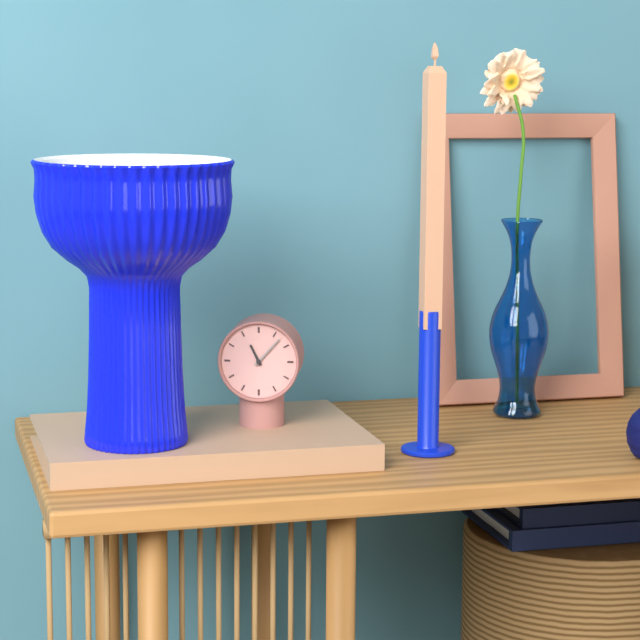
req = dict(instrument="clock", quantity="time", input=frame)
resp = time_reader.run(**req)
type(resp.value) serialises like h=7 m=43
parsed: h=11 m=7
